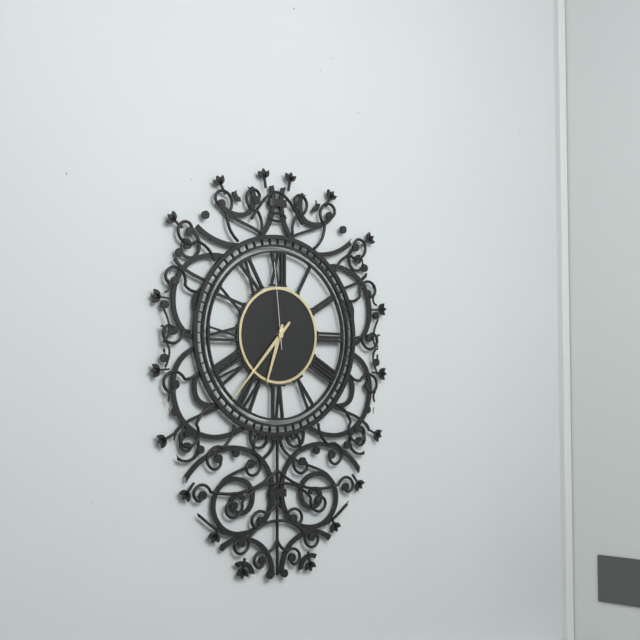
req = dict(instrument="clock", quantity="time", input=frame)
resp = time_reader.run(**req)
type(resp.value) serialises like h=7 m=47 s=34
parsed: h=6 m=37 s=59
